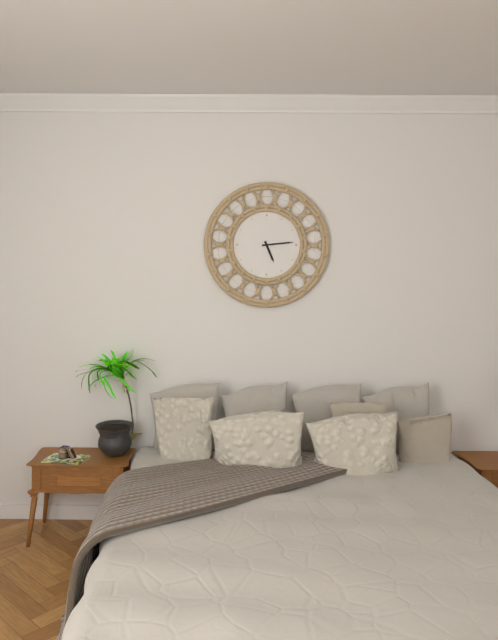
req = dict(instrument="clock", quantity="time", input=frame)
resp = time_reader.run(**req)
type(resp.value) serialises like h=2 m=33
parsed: h=5 m=14
